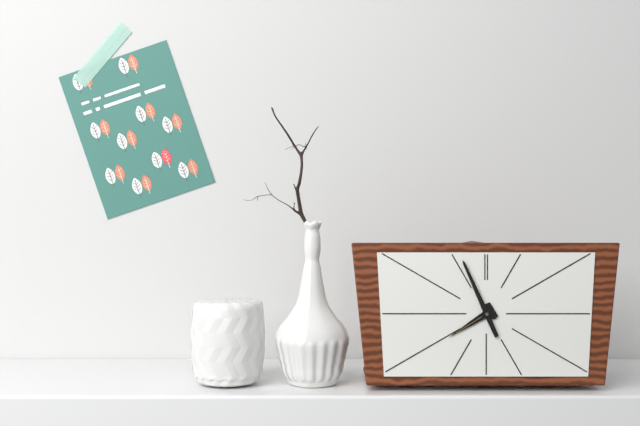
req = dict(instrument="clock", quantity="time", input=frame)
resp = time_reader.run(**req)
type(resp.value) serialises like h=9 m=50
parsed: h=7 m=56
